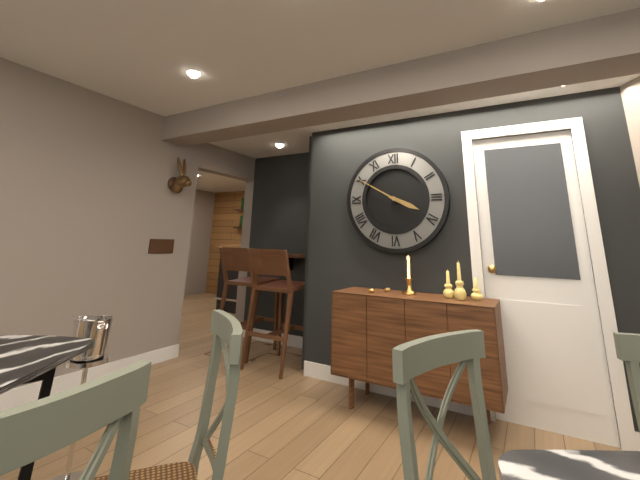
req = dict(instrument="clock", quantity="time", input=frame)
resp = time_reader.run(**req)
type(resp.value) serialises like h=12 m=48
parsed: h=3 m=50
